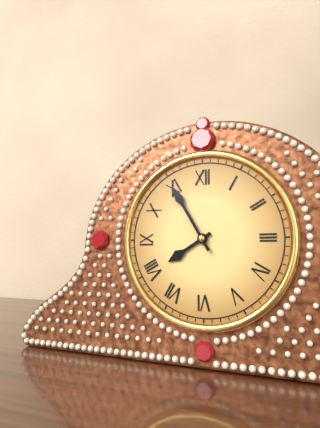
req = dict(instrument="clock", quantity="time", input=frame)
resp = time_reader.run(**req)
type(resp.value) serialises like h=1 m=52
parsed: h=7 m=55
